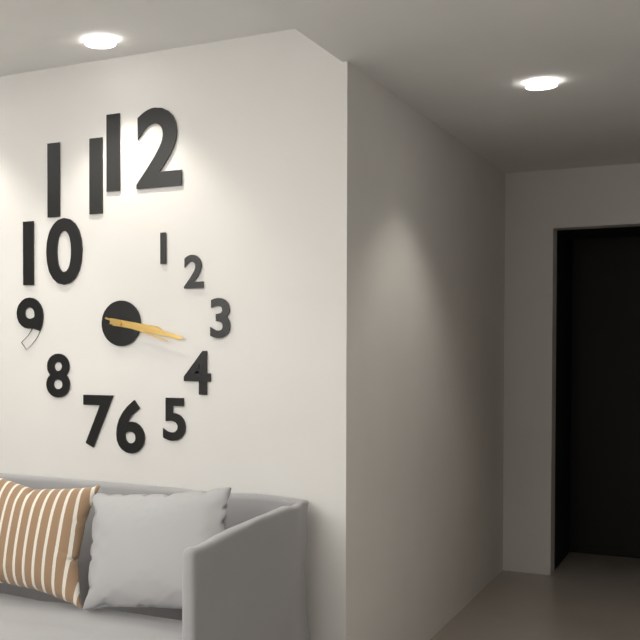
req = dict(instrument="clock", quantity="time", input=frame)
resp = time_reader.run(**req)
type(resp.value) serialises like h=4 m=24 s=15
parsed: h=3 m=17 s=18
